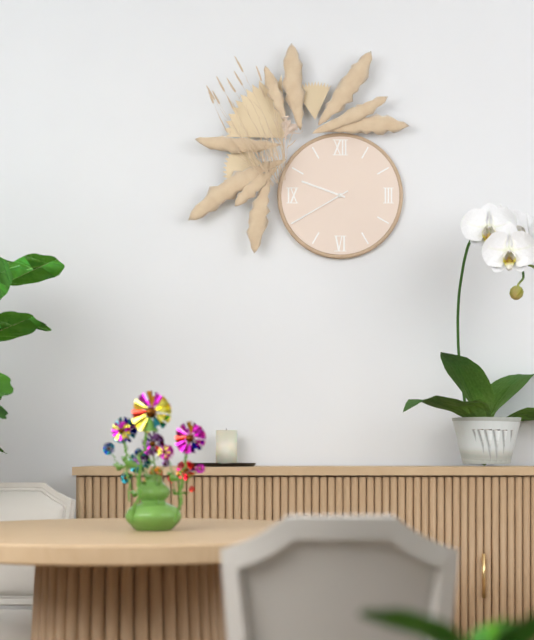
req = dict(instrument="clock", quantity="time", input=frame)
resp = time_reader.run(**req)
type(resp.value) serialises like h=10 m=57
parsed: h=9 m=40
